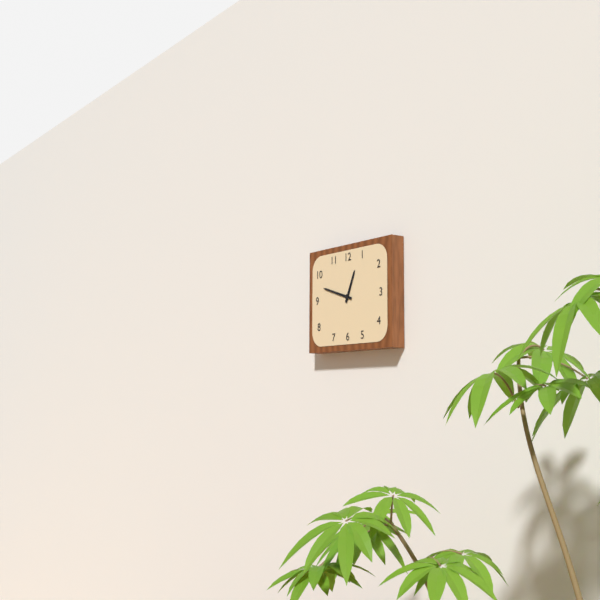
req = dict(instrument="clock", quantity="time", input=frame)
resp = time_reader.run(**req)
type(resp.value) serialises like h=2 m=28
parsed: h=12 m=48
